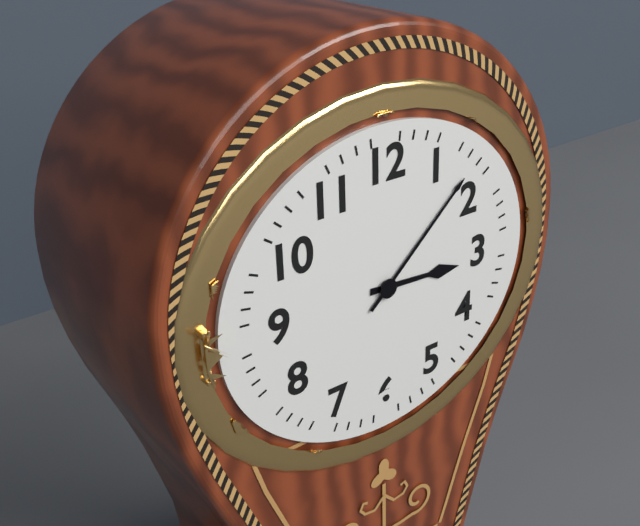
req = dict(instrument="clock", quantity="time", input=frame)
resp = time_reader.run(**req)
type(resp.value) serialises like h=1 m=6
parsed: h=3 m=8
